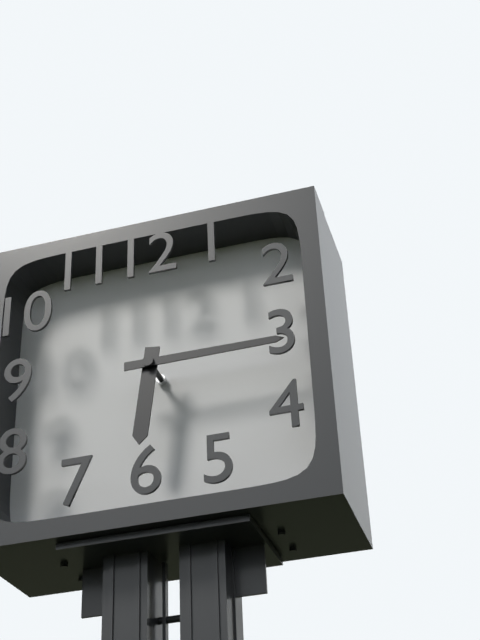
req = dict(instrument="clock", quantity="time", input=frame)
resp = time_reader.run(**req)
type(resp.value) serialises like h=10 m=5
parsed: h=6 m=15
